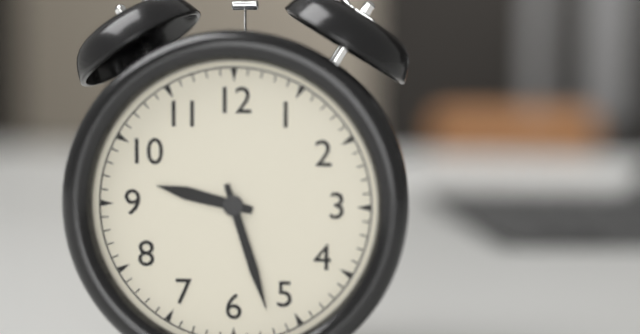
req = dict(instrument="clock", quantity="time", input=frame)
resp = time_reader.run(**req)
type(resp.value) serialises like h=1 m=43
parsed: h=9 m=27
